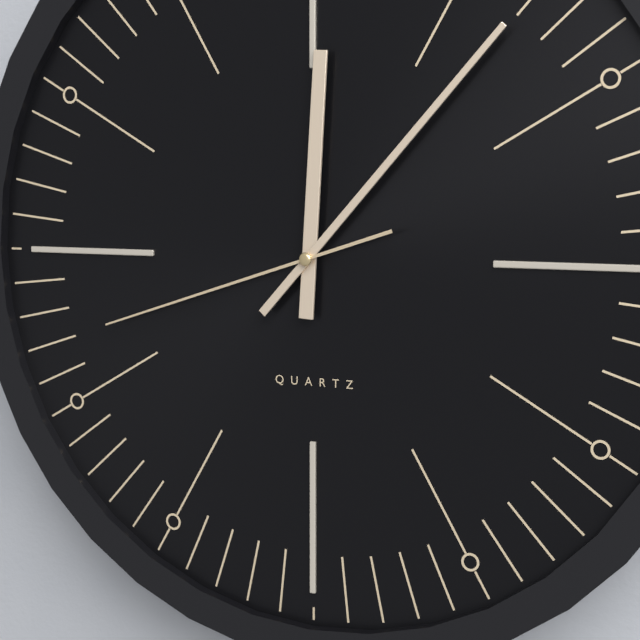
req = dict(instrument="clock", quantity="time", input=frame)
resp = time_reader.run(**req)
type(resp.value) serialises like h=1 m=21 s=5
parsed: h=12 m=7 s=42
